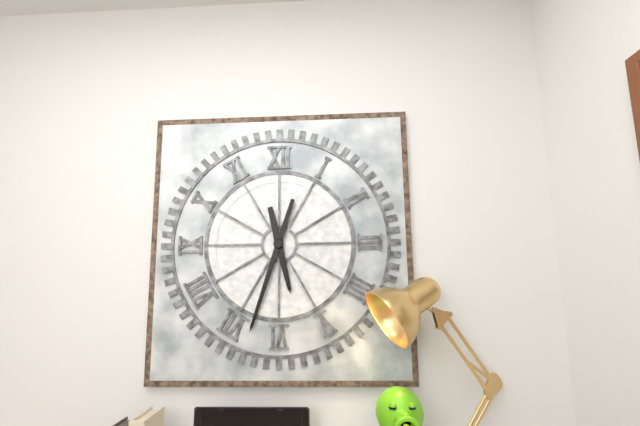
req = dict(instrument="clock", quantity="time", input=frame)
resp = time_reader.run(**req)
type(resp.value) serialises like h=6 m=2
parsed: h=5 m=33
